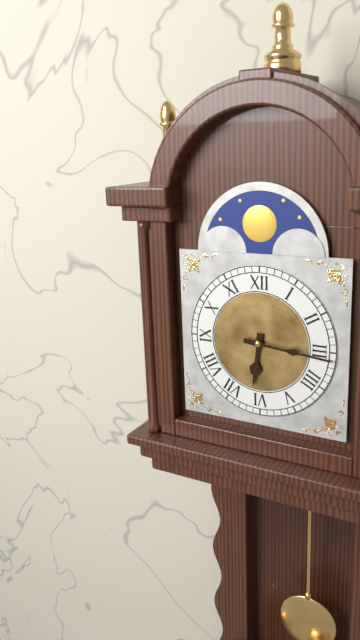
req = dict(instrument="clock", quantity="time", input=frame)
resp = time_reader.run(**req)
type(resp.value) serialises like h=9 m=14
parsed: h=6 m=16
